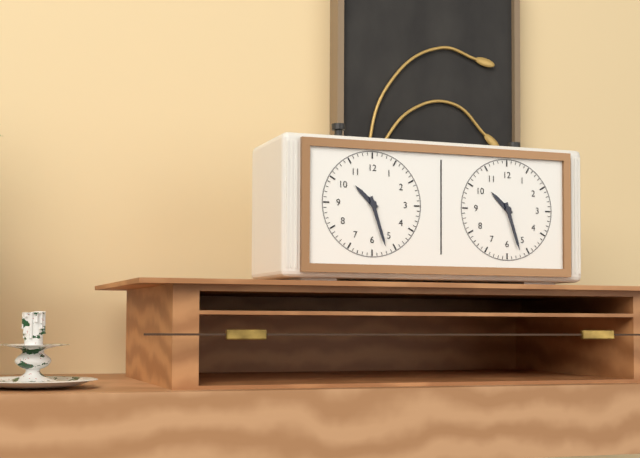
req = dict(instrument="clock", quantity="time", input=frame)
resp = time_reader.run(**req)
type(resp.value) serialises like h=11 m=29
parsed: h=10 m=27
